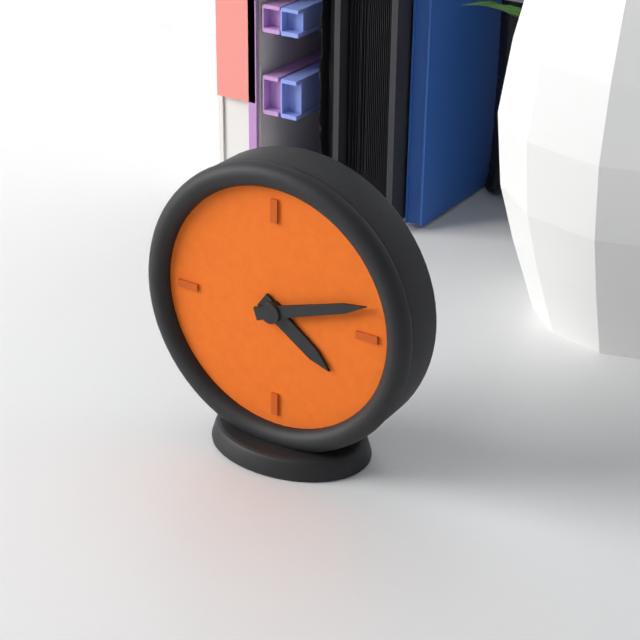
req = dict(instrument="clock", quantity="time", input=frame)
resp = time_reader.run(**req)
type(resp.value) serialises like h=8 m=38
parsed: h=4 m=12
